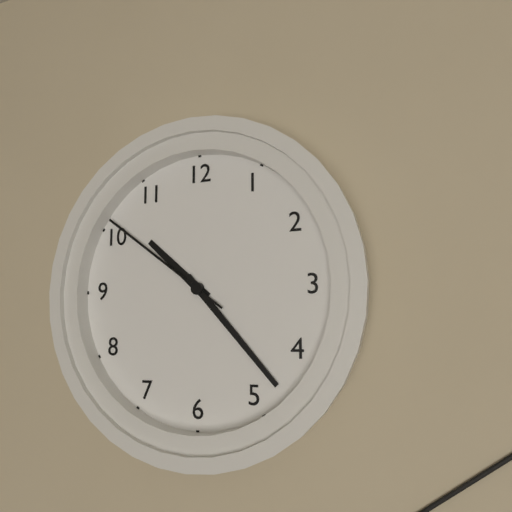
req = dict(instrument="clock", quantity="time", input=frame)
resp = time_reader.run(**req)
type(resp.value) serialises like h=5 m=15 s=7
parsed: h=10 m=23 s=51
